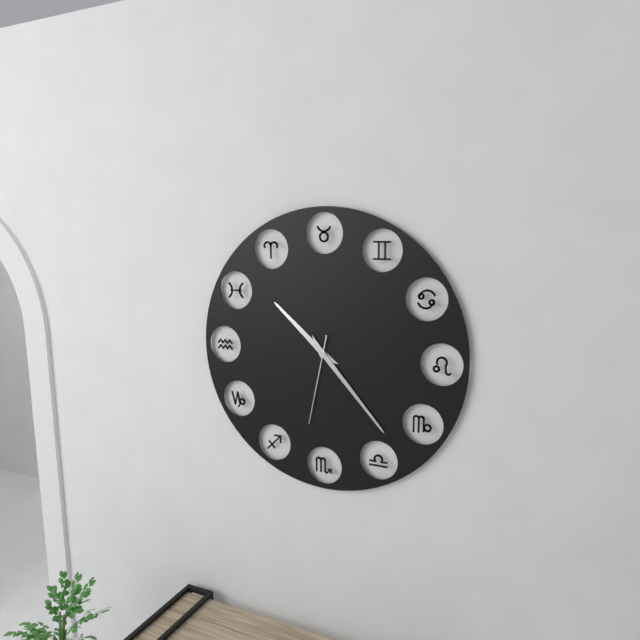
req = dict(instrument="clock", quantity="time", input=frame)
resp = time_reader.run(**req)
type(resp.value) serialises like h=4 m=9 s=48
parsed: h=10 m=23 s=32
